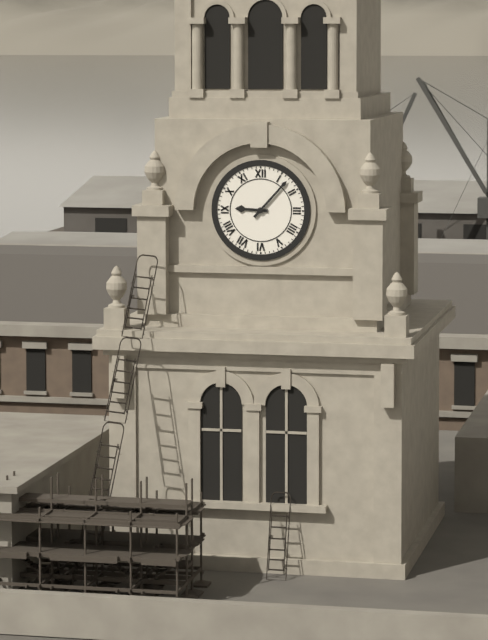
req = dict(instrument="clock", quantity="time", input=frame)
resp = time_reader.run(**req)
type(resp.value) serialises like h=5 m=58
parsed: h=9 m=7
